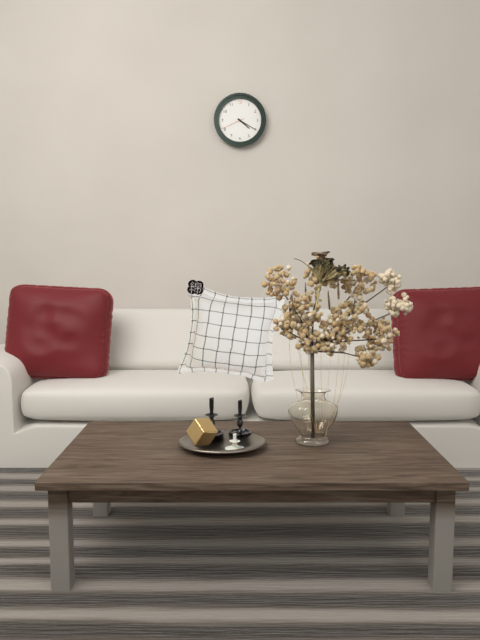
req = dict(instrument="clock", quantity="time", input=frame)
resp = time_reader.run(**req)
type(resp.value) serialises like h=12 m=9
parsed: h=4 m=20
